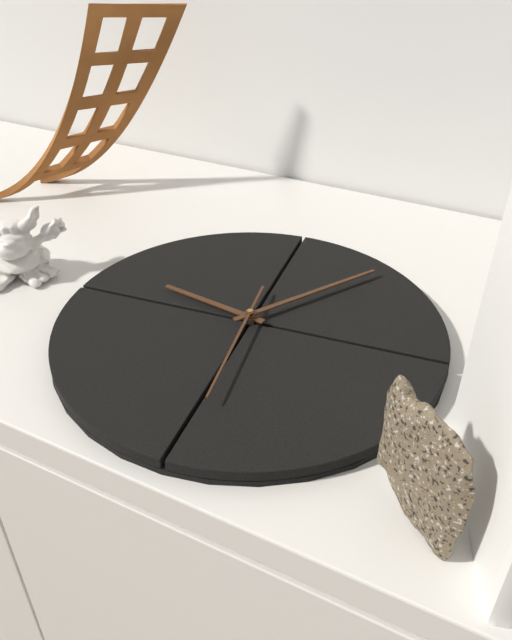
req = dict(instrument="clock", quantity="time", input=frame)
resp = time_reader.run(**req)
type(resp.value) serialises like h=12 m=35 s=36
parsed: h=10 m=10 s=33
